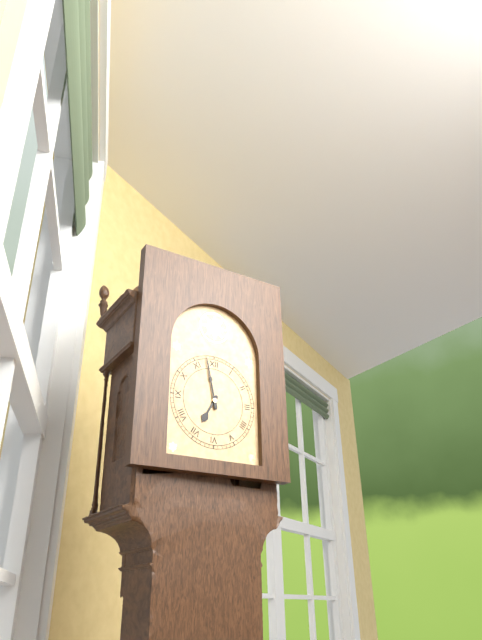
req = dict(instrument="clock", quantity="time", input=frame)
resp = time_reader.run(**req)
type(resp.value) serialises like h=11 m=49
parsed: h=6 m=58
